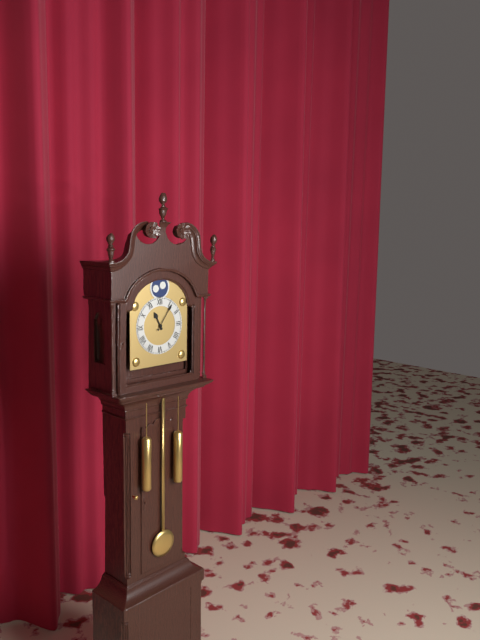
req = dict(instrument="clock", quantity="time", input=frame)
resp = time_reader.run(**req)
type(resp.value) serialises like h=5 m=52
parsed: h=11 m=6
